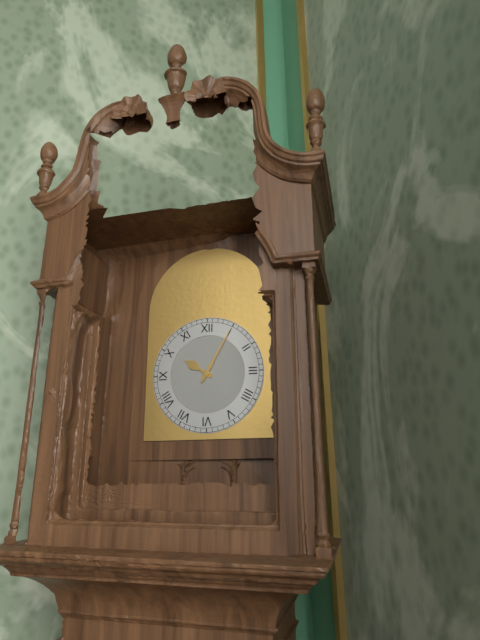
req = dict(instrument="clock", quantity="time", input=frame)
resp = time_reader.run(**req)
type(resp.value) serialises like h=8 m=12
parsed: h=10 m=5
